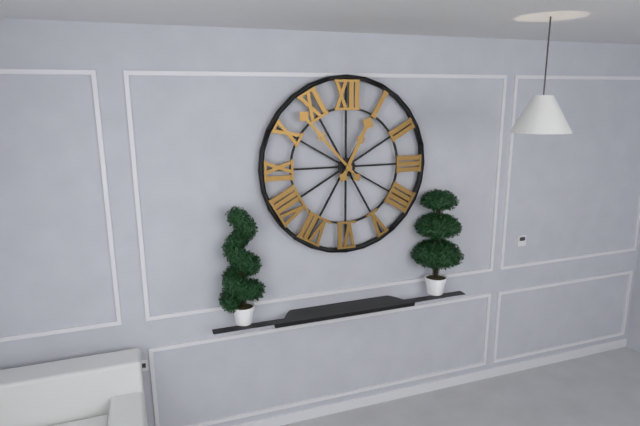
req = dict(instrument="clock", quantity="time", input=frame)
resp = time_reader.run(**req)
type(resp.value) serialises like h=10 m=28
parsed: h=12 m=53
